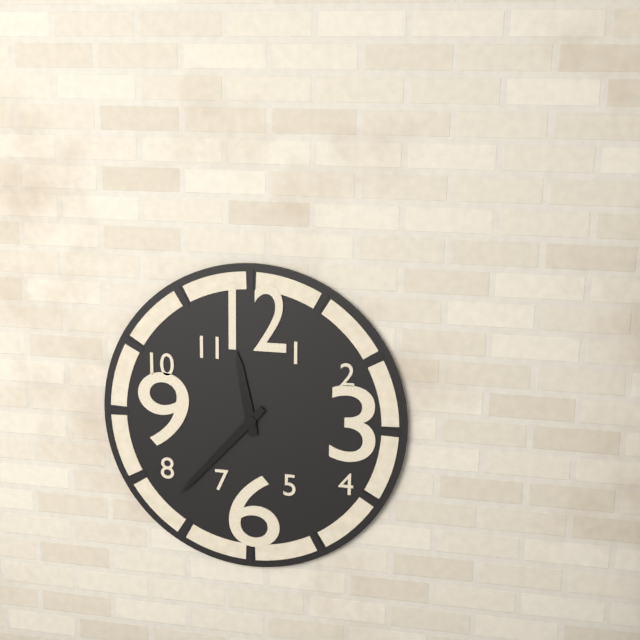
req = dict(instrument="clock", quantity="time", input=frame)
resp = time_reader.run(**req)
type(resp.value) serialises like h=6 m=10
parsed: h=11 m=37
